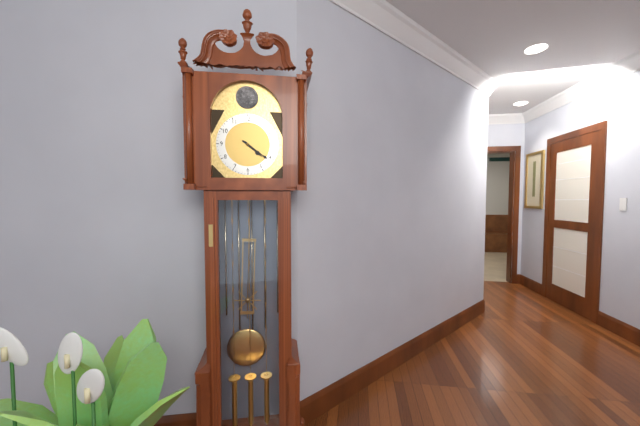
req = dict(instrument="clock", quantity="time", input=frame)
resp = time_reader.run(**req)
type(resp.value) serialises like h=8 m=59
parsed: h=4 m=21
